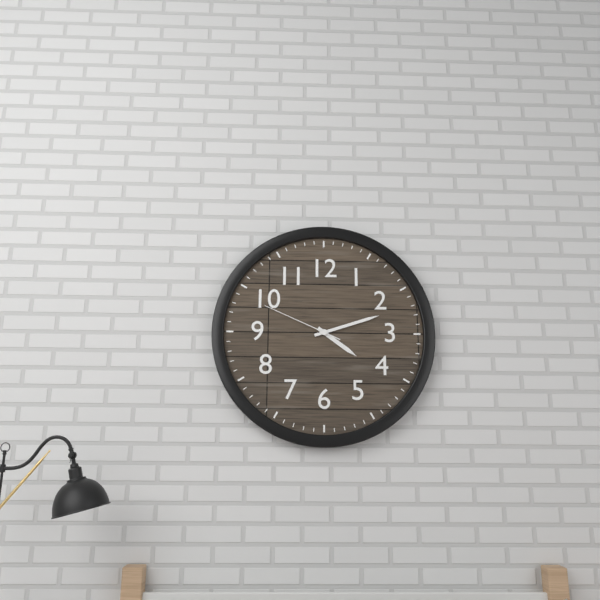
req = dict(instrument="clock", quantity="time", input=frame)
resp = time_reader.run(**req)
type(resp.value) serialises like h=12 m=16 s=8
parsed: h=4 m=12 s=49
